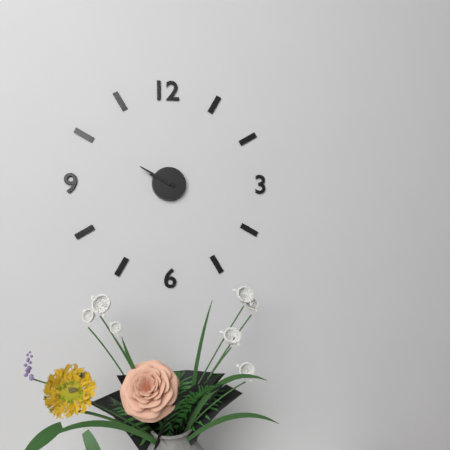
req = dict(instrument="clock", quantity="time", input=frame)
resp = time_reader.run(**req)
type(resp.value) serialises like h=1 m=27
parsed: h=9 m=50
